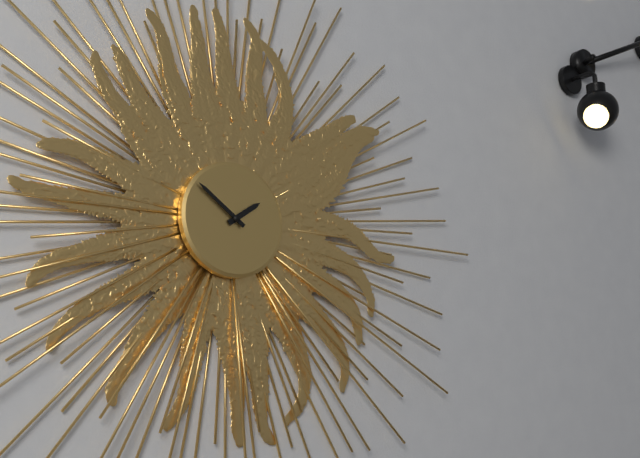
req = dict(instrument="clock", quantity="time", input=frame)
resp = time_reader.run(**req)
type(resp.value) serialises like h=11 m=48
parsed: h=1 m=51
